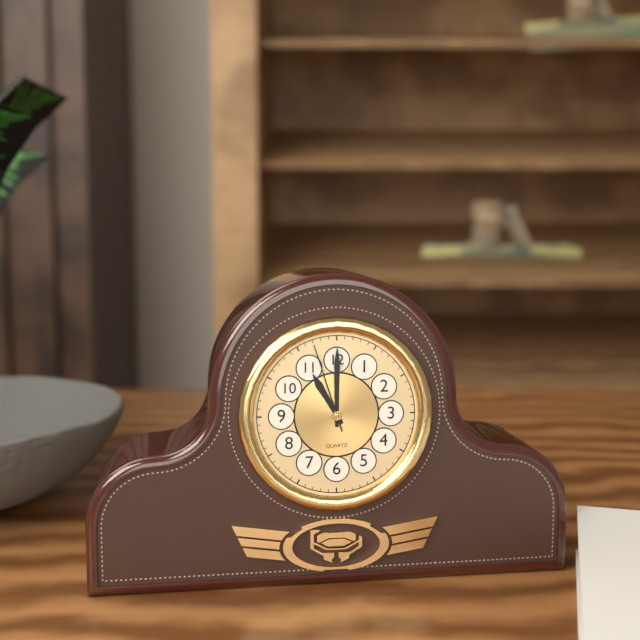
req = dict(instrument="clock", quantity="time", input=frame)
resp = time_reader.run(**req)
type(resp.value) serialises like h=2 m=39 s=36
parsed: h=11 m=0 s=57
